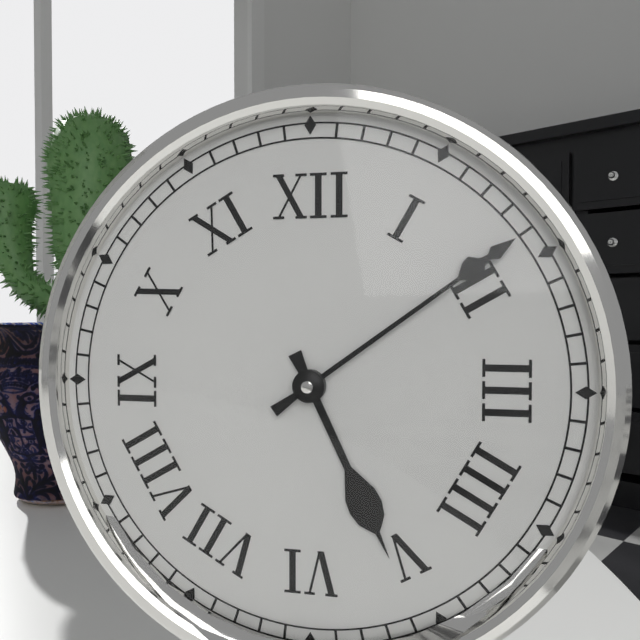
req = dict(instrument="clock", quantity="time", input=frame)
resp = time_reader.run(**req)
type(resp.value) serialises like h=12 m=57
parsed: h=5 m=9
